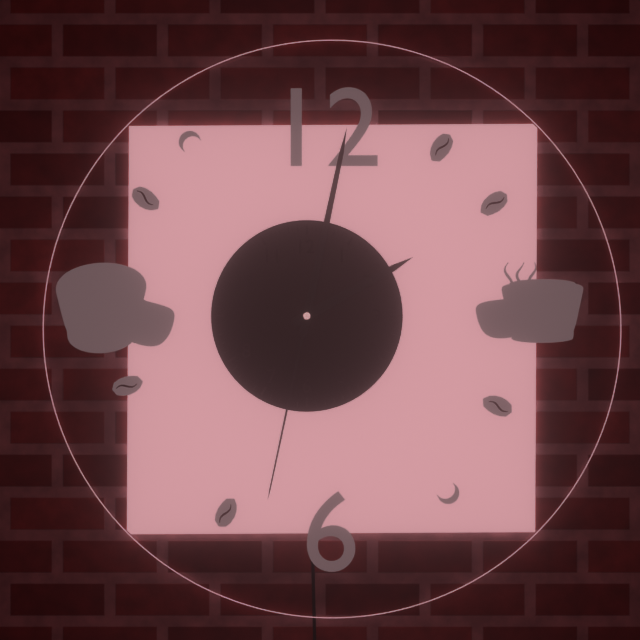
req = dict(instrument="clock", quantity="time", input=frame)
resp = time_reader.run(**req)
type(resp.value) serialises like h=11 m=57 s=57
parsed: h=2 m=2 s=32
